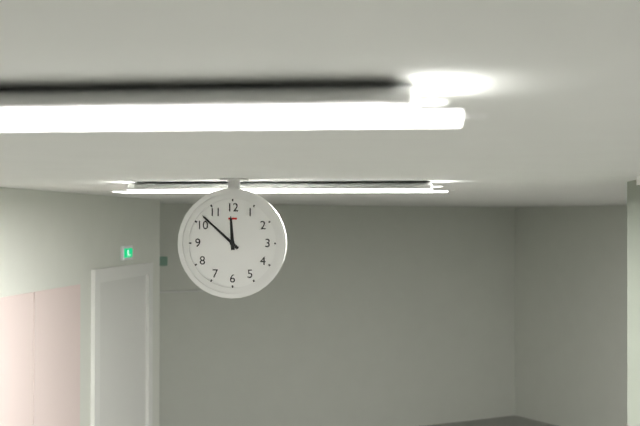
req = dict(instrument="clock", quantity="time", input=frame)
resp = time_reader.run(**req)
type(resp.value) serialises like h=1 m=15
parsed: h=11 m=52
